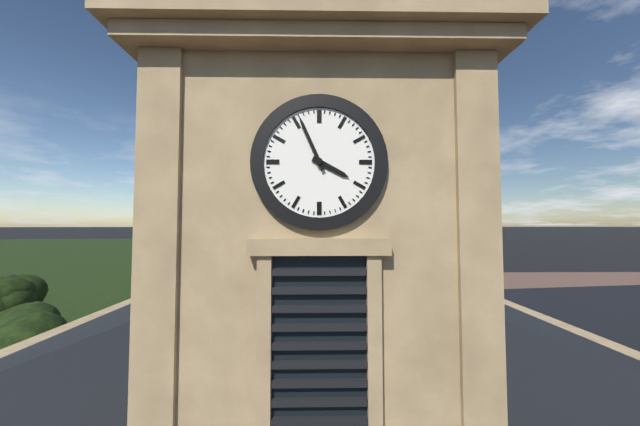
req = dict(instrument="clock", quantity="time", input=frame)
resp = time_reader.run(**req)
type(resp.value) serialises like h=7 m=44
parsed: h=3 m=56
